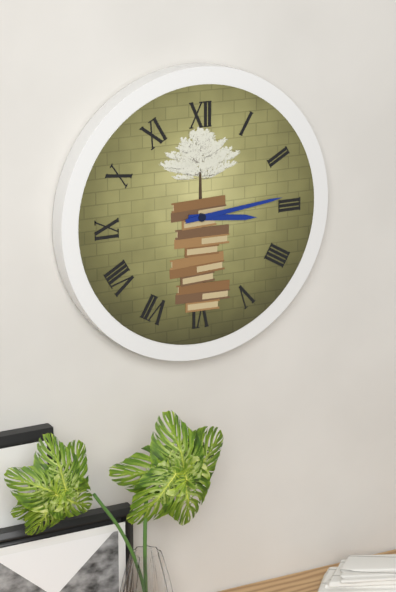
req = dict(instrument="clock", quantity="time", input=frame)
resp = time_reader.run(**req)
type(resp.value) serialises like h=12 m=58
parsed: h=3 m=14
